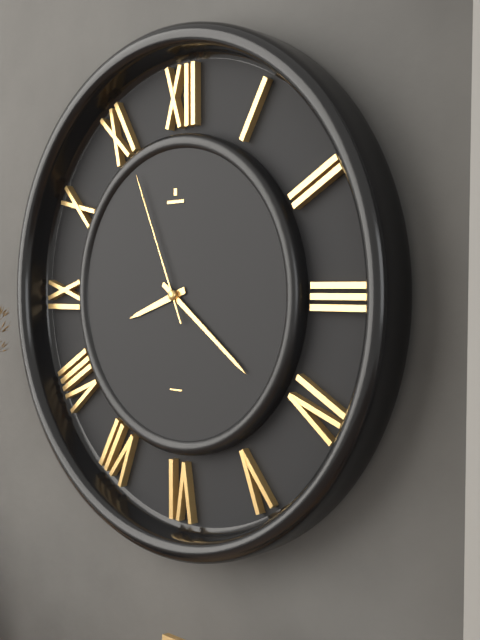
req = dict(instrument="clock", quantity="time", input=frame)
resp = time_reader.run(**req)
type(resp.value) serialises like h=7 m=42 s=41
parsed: h=8 m=21 s=56
